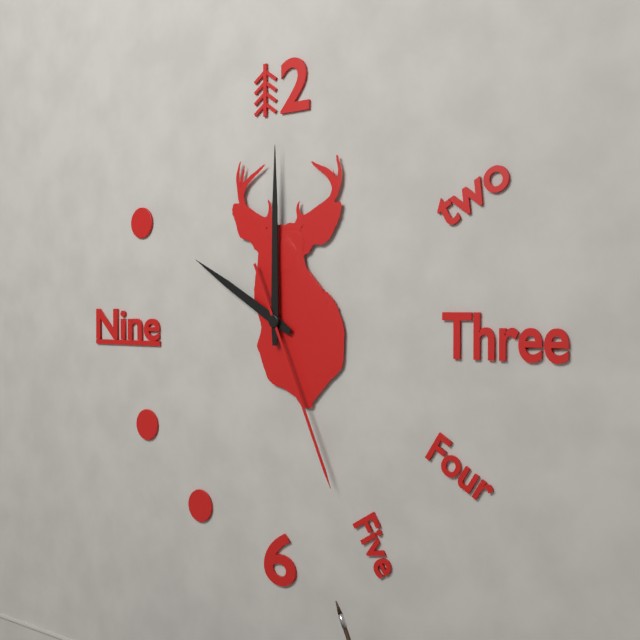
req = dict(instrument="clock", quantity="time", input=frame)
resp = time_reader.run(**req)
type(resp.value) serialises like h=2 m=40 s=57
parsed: h=10 m=0 s=26
